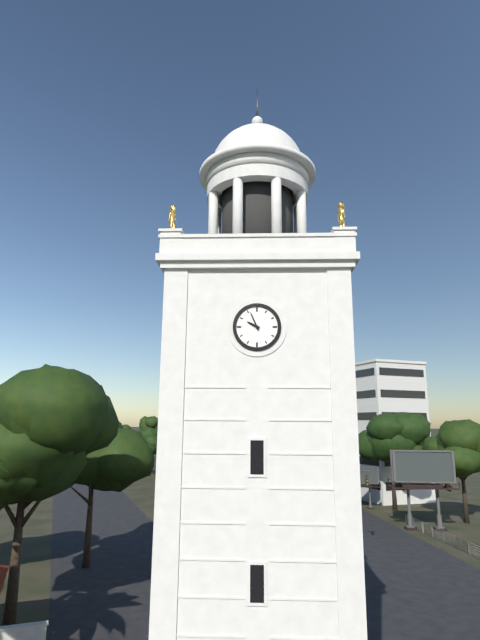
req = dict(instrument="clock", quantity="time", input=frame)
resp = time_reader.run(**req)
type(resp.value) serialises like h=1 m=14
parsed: h=9 m=56
